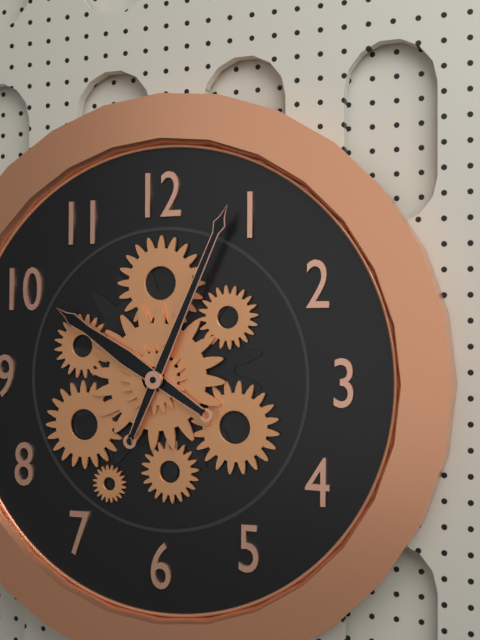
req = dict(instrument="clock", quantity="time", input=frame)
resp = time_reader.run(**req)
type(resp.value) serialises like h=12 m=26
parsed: h=10 m=4
